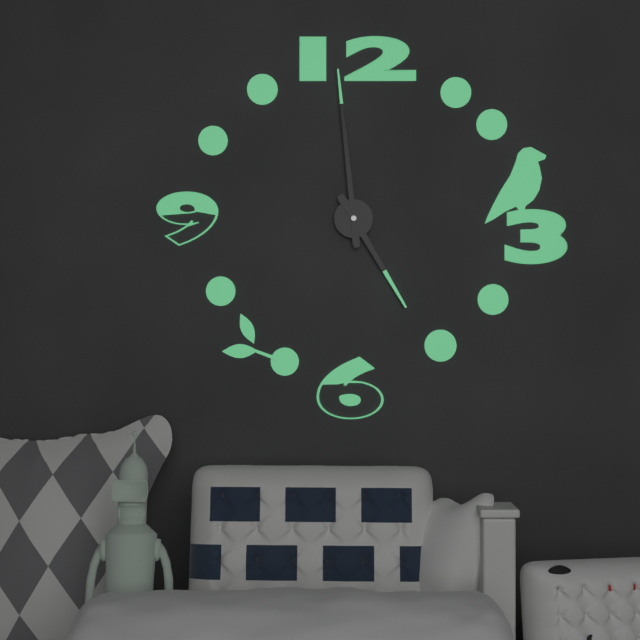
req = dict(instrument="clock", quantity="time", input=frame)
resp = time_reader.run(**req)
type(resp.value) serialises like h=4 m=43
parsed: h=4 m=59
